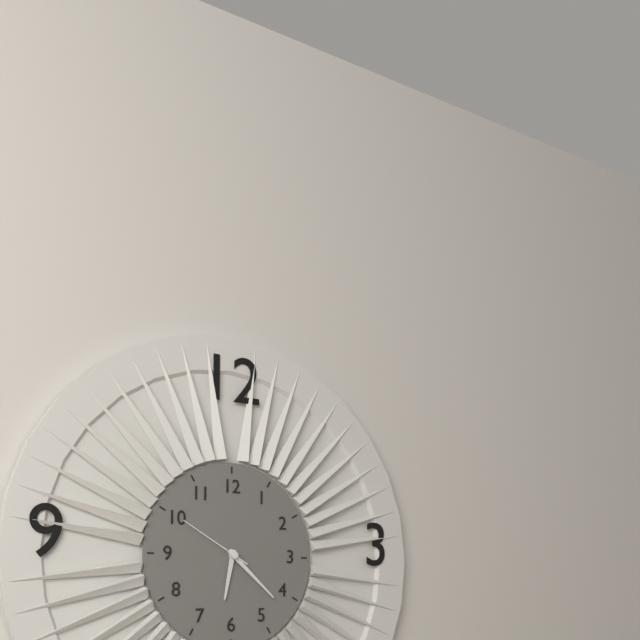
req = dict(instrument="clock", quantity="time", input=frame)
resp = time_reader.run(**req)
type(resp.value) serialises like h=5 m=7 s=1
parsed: h=6 m=22 s=50
